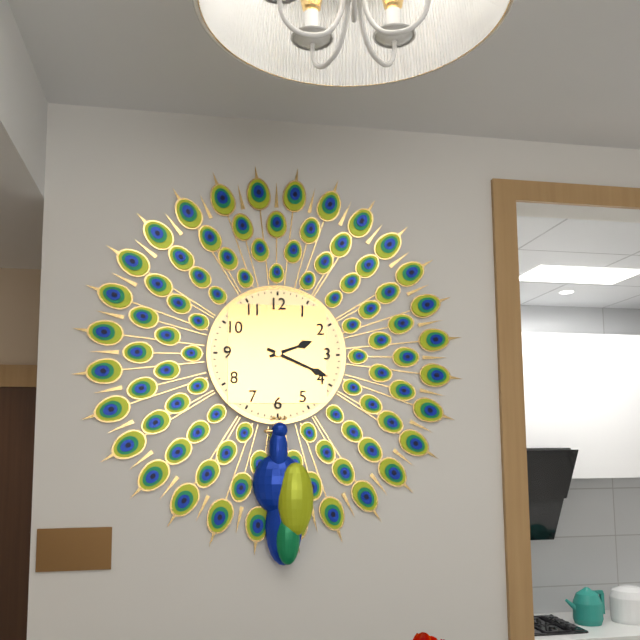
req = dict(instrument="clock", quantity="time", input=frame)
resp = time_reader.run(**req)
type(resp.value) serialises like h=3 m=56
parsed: h=2 m=19
